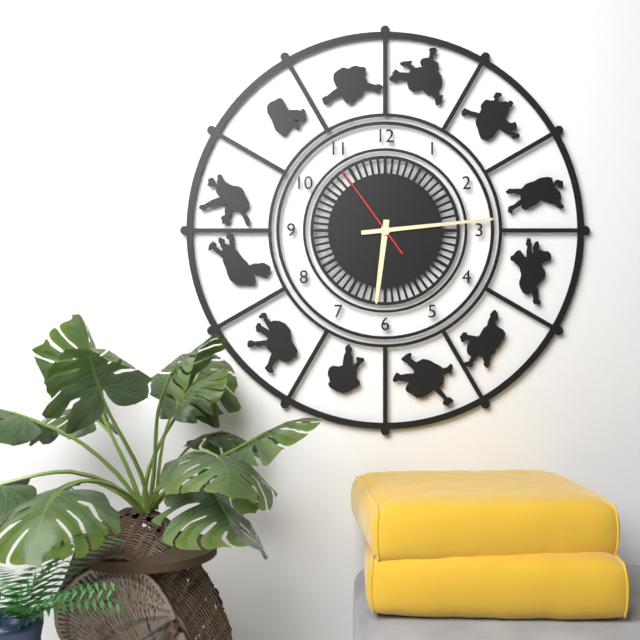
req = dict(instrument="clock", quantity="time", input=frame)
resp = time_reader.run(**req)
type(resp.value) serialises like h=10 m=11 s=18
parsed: h=6 m=14 s=54
